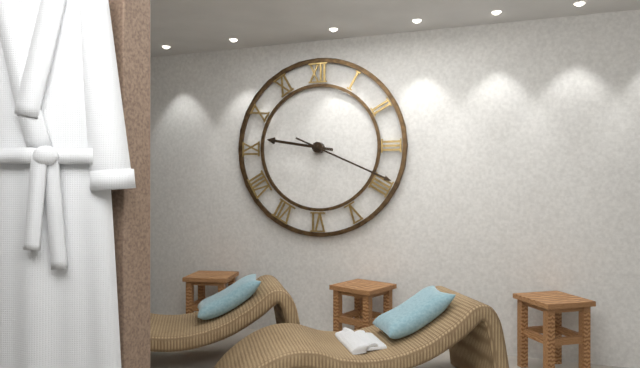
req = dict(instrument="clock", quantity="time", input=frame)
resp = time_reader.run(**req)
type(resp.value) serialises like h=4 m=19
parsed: h=9 m=19
